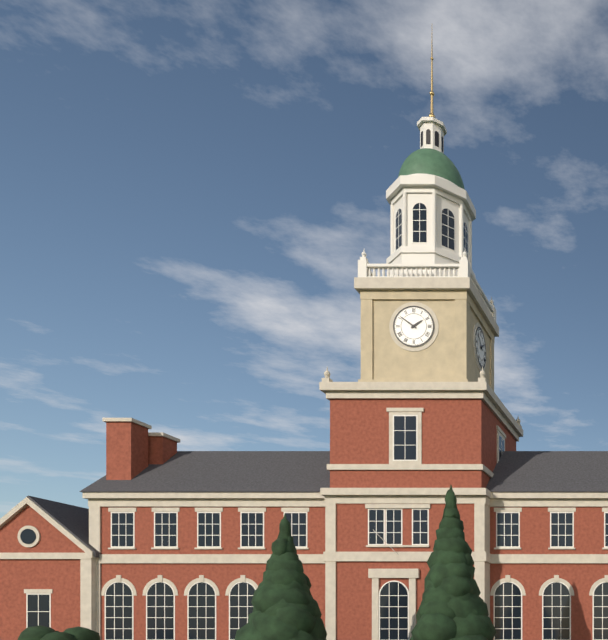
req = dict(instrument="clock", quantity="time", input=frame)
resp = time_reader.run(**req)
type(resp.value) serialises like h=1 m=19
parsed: h=1 m=51
